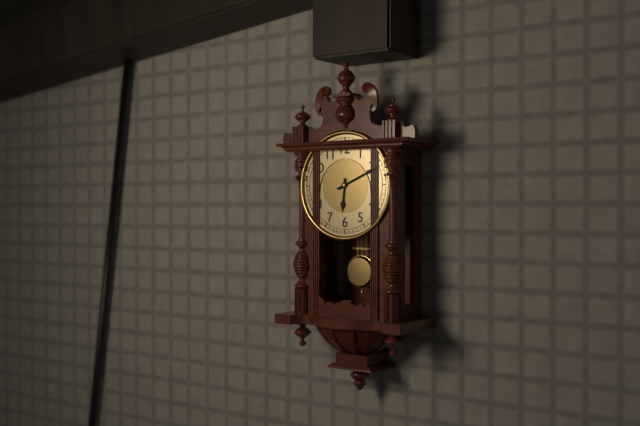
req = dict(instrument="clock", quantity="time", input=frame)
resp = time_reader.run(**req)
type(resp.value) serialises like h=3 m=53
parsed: h=6 m=11
